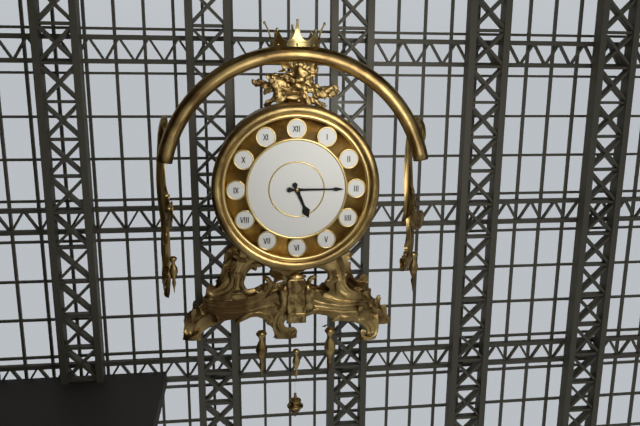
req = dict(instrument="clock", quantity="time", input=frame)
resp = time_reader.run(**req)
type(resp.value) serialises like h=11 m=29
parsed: h=5 m=15
